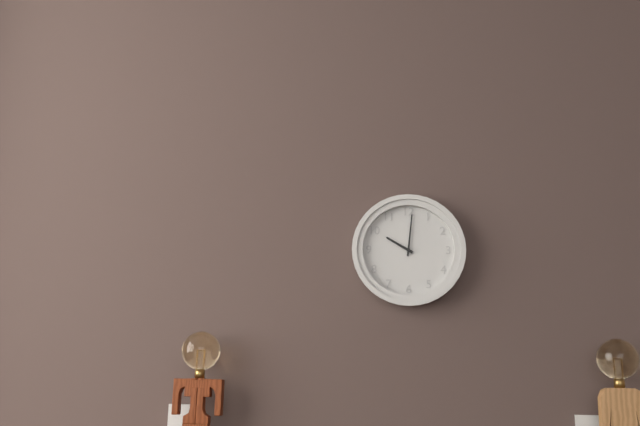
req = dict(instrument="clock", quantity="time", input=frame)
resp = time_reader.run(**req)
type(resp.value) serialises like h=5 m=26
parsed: h=10 m=1
